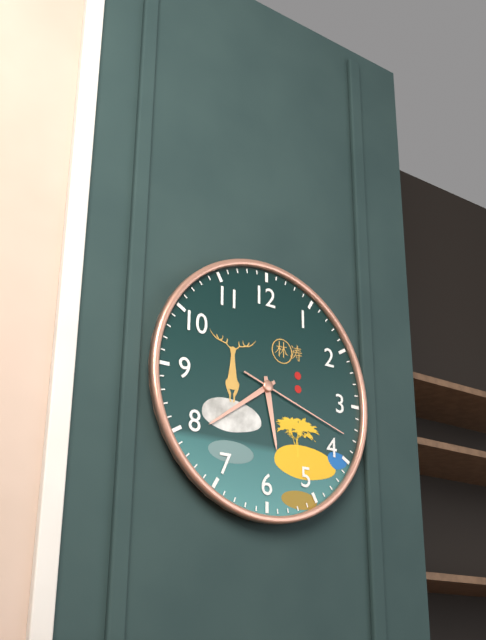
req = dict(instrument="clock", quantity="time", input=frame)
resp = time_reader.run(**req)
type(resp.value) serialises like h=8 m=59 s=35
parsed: h=5 m=39 s=18
